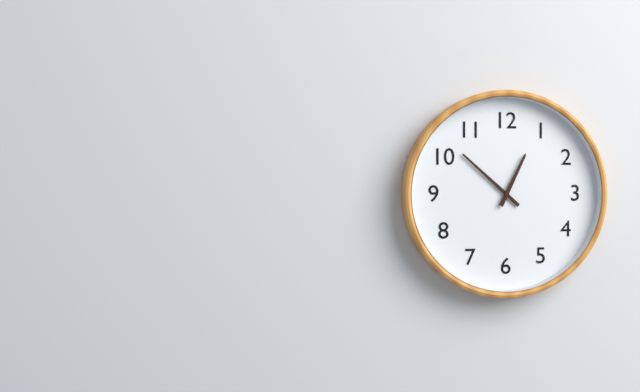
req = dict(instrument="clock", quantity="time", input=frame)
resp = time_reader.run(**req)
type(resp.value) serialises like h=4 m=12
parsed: h=12 m=52
